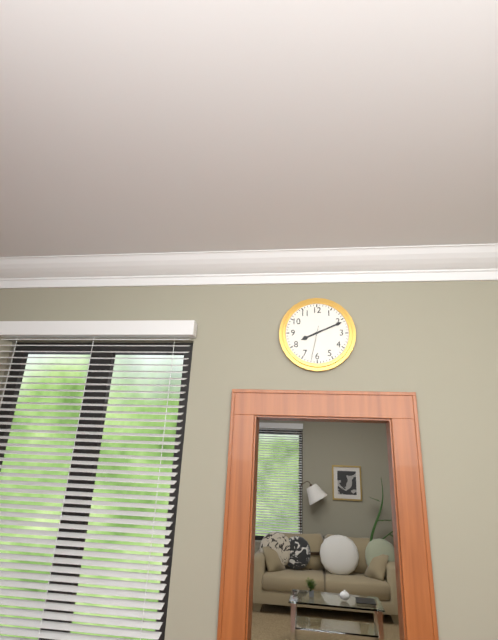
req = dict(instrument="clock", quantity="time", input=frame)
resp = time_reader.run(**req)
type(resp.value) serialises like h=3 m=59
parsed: h=8 m=11
